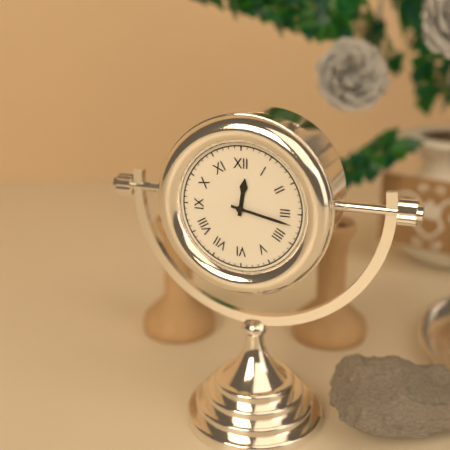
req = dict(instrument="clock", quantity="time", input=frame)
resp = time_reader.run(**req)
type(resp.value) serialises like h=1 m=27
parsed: h=12 m=17
